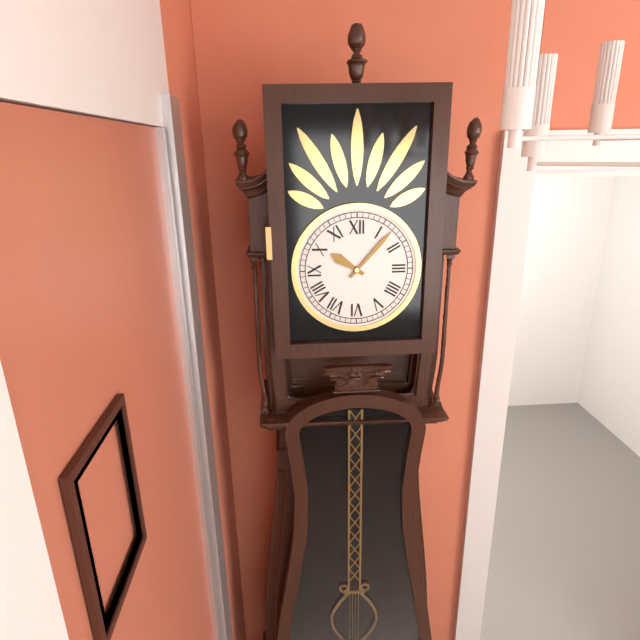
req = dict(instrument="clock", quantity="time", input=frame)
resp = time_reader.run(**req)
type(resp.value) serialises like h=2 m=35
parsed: h=10 m=7
